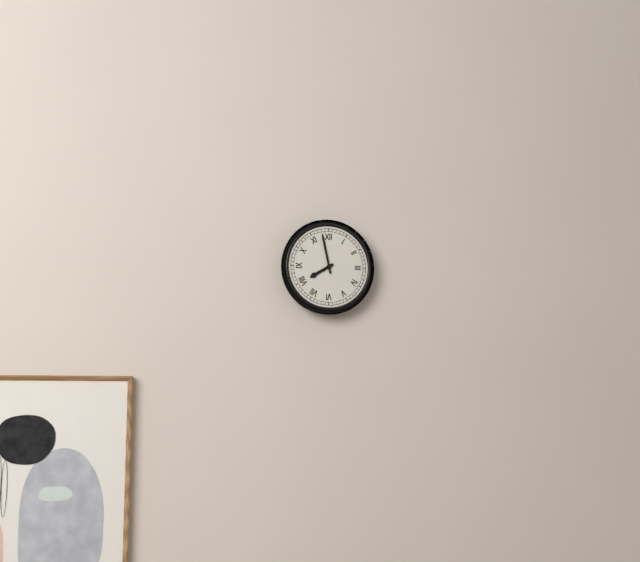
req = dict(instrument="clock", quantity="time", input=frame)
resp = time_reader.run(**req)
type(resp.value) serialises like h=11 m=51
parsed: h=7 m=58
